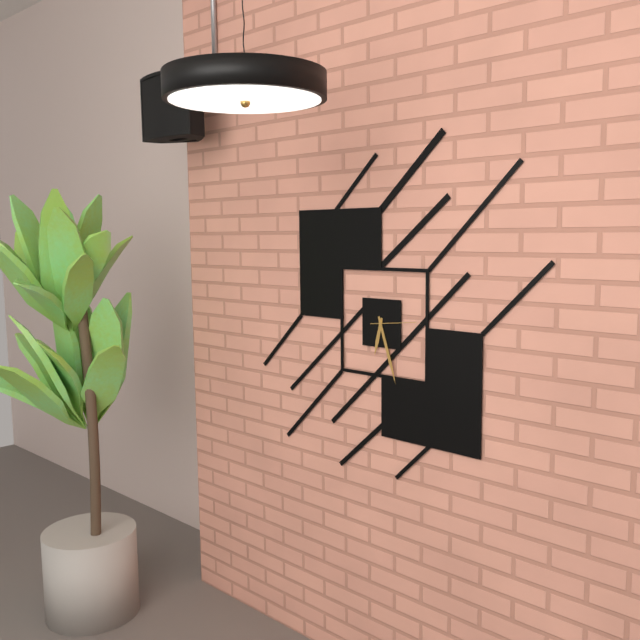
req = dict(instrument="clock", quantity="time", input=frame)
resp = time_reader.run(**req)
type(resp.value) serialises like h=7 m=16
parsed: h=6 m=27
